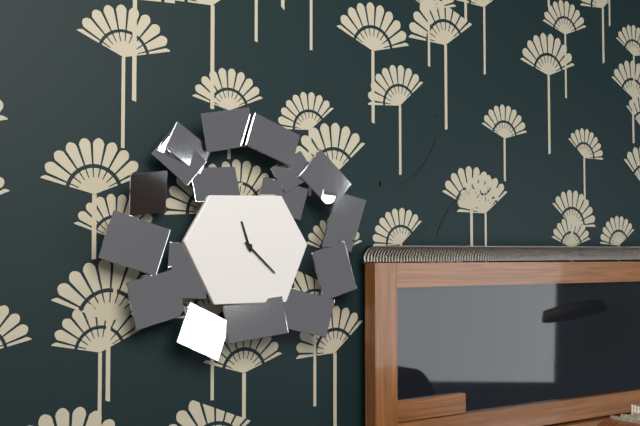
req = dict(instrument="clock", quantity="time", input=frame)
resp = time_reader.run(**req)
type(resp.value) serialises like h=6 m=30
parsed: h=11 m=22
